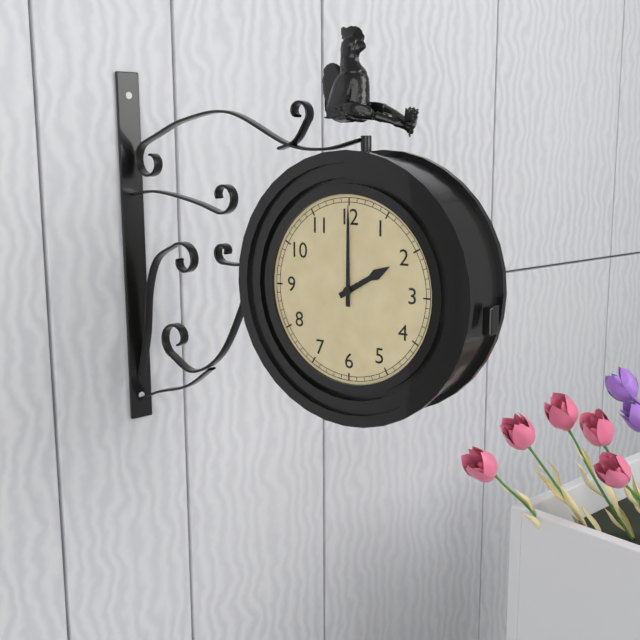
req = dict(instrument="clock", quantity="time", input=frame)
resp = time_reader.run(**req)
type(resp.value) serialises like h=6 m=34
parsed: h=2 m=0
